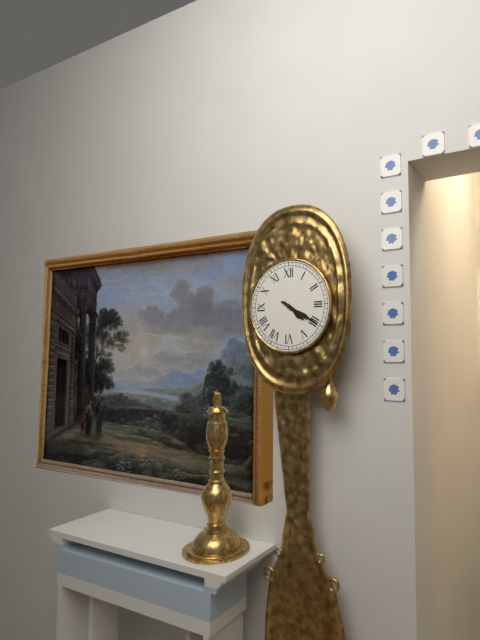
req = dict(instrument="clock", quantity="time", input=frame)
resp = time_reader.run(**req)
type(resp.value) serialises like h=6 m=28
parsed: h=4 m=20
